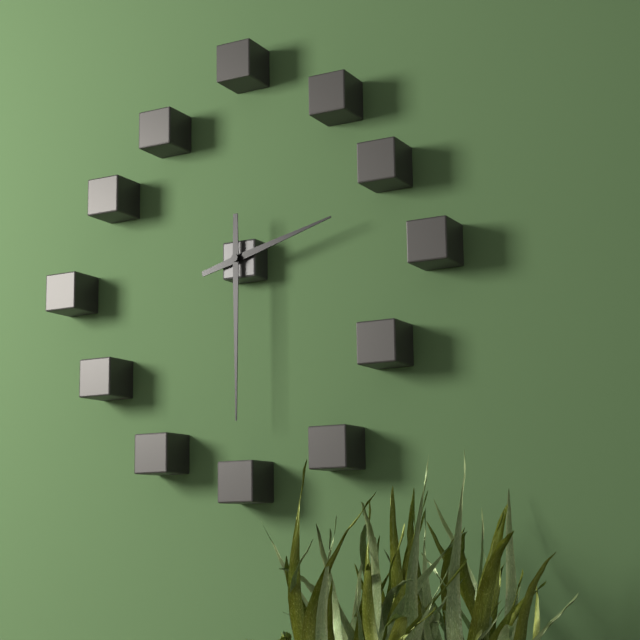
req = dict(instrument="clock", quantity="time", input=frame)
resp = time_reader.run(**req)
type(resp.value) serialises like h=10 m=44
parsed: h=2 m=30
